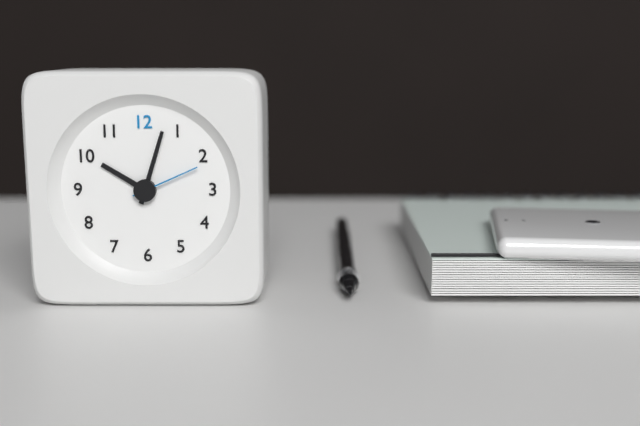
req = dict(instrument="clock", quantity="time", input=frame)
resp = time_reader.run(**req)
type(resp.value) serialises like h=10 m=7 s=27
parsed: h=10 m=3 s=11
